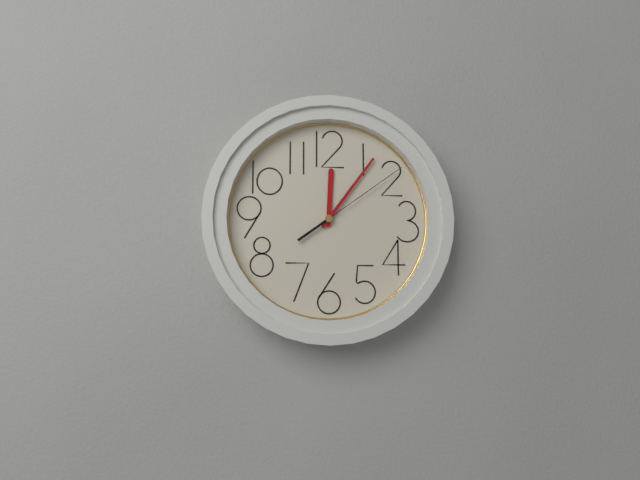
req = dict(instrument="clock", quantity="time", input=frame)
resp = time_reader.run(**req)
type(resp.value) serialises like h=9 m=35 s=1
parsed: h=12 m=6 s=9
